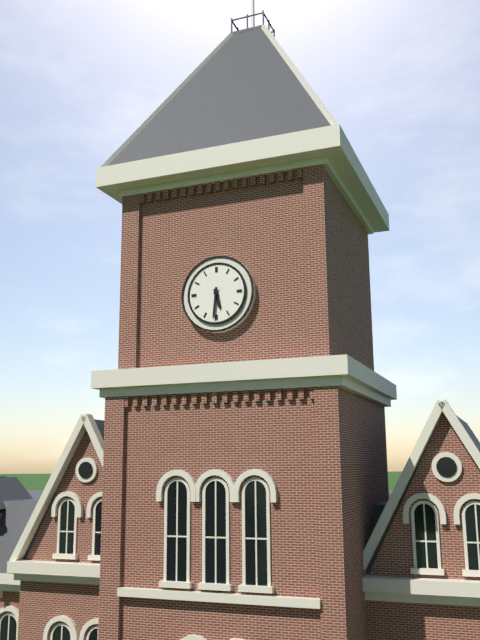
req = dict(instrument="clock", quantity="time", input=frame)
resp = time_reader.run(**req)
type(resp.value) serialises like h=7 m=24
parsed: h=5 m=31
